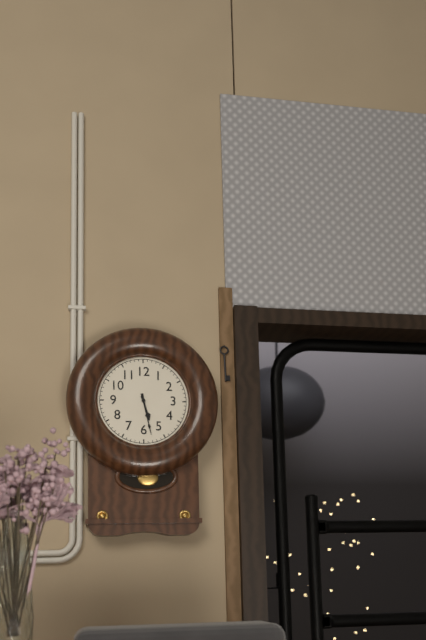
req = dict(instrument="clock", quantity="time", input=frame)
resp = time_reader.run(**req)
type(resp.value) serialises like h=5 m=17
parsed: h=5 m=28
